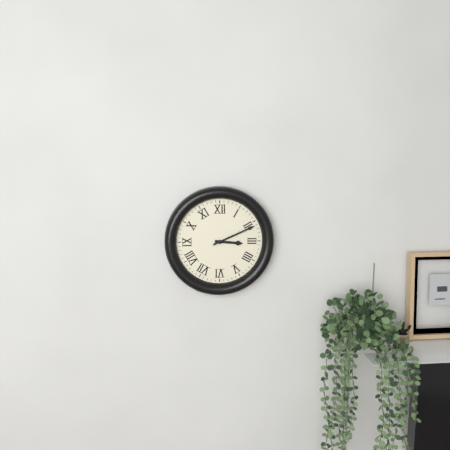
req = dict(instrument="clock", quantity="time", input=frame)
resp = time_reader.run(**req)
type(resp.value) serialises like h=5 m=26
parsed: h=3 m=11
